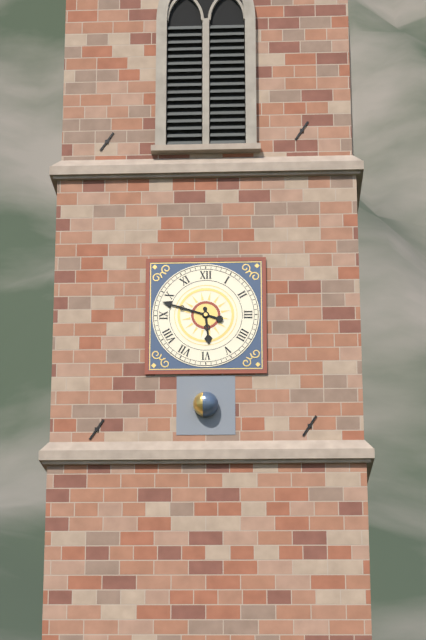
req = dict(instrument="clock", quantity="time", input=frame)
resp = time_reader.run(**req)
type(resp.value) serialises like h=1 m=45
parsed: h=5 m=48
